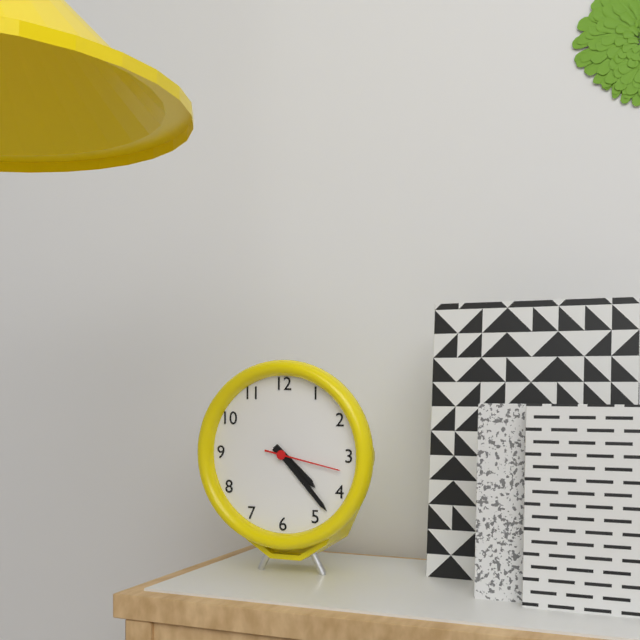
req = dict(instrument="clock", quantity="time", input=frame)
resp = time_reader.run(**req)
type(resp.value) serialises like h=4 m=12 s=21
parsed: h=4 m=23 s=17
